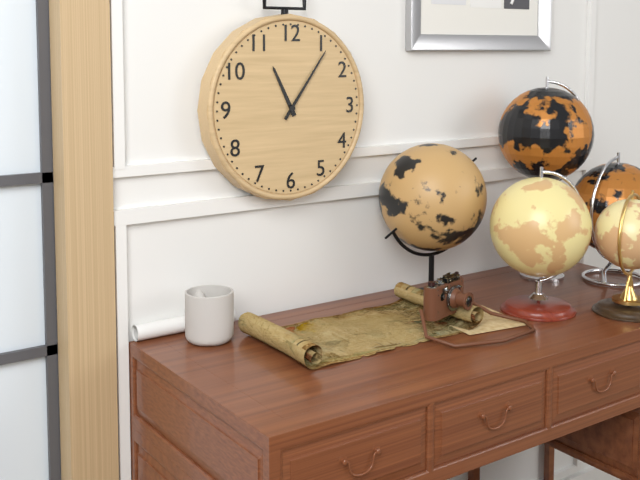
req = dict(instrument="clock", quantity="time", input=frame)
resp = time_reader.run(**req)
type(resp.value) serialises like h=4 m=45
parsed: h=11 m=6
